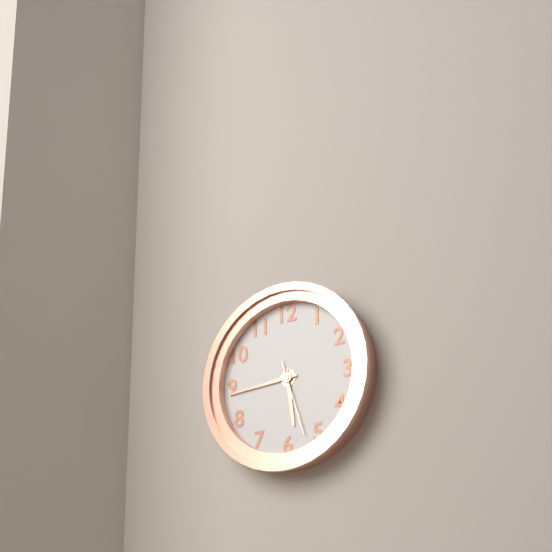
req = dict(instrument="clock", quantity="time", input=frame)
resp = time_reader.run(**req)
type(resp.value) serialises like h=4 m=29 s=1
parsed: h=5 m=44 s=27
